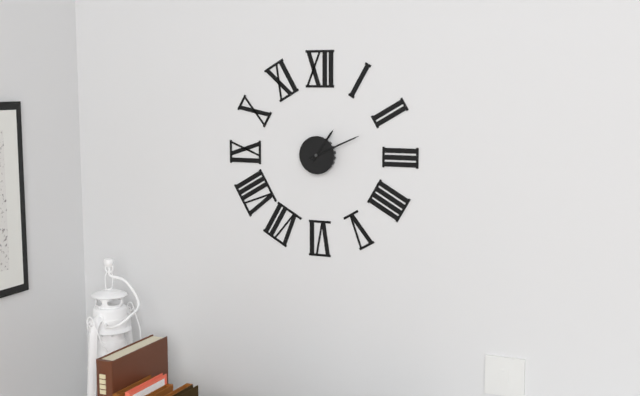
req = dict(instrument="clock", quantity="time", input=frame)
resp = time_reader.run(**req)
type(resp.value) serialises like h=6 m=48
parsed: h=1 m=11
